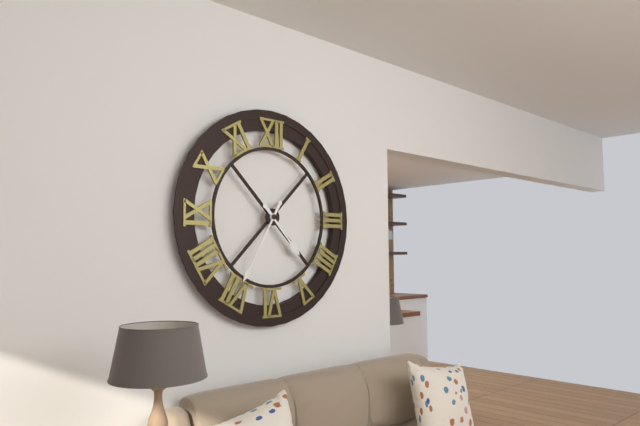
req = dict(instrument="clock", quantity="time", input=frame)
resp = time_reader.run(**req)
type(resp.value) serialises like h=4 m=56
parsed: h=4 m=35
